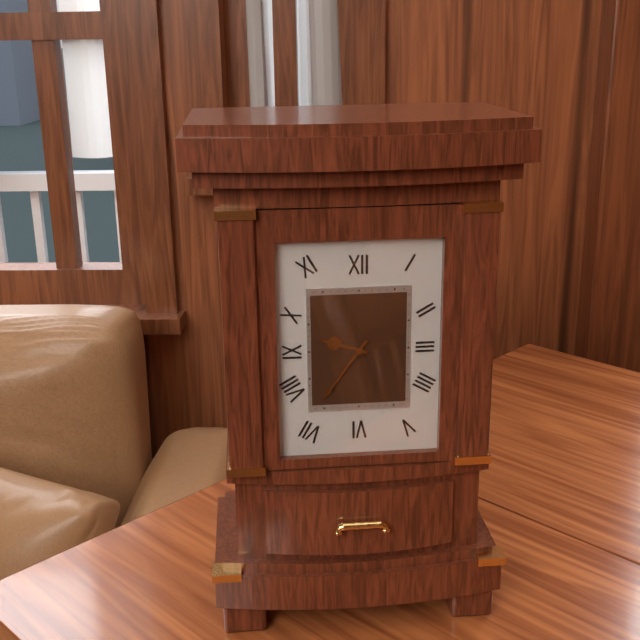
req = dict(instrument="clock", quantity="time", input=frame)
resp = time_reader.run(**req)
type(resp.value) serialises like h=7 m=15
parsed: h=9 m=36
